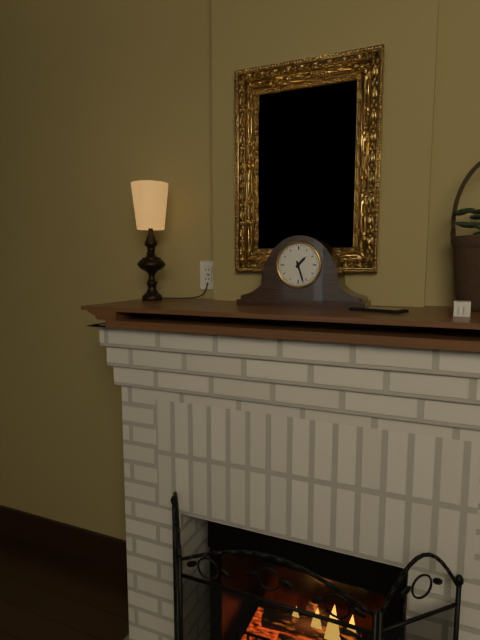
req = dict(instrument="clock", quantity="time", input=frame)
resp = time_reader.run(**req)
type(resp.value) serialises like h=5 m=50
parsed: h=1 m=27
